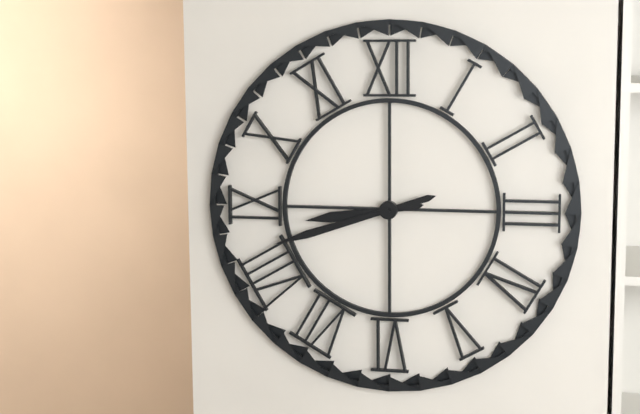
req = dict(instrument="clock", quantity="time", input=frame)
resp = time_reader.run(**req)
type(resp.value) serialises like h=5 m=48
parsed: h=8 m=42
